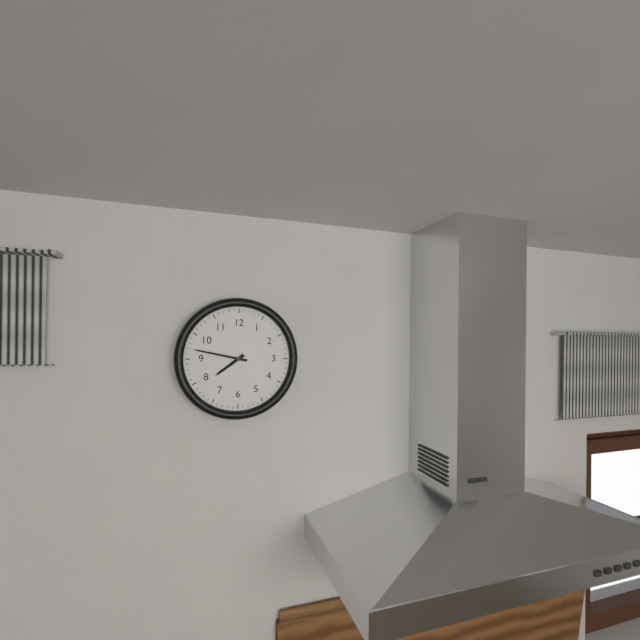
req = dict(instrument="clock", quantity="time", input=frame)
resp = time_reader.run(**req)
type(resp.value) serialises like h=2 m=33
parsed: h=7 m=47
